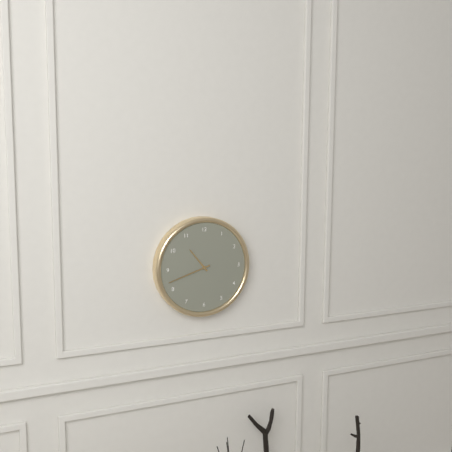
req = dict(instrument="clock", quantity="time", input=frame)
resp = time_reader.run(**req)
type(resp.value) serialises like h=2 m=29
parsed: h=10 m=42
